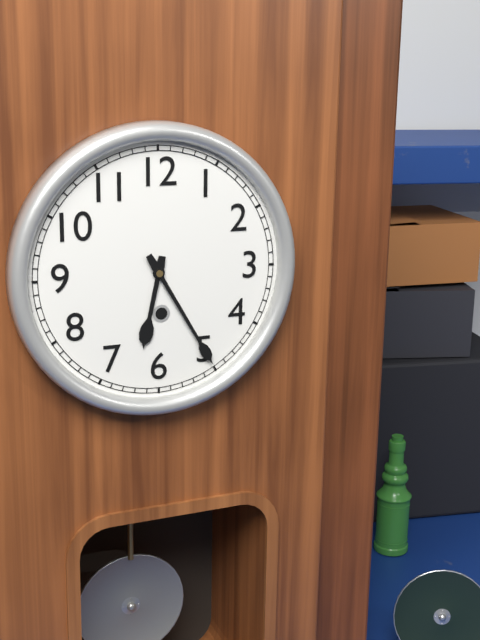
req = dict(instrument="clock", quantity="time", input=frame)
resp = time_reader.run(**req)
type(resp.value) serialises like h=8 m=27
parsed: h=6 m=25
